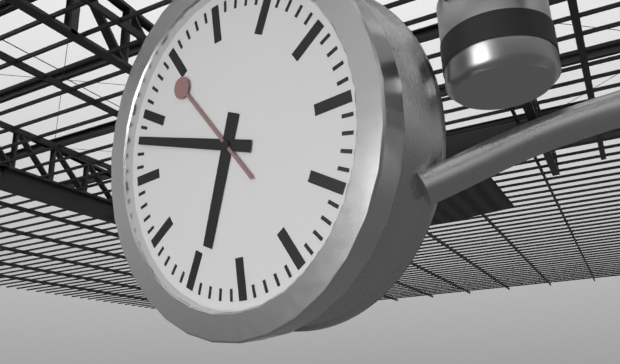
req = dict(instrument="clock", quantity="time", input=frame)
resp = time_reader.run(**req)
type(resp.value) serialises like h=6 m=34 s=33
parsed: h=6 m=48 s=54
